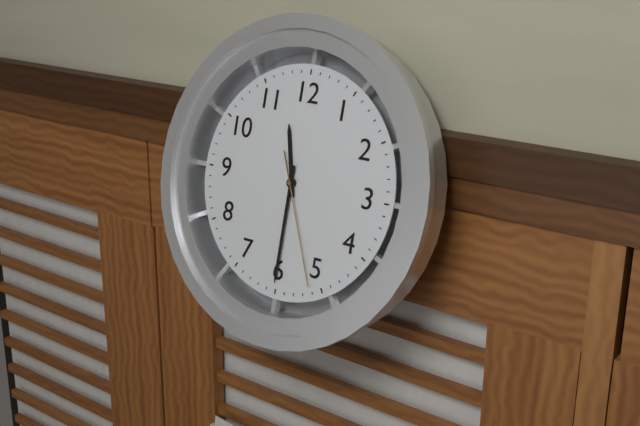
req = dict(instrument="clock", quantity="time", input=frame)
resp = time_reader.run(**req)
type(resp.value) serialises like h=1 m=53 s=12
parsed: h=11 m=30 s=26
